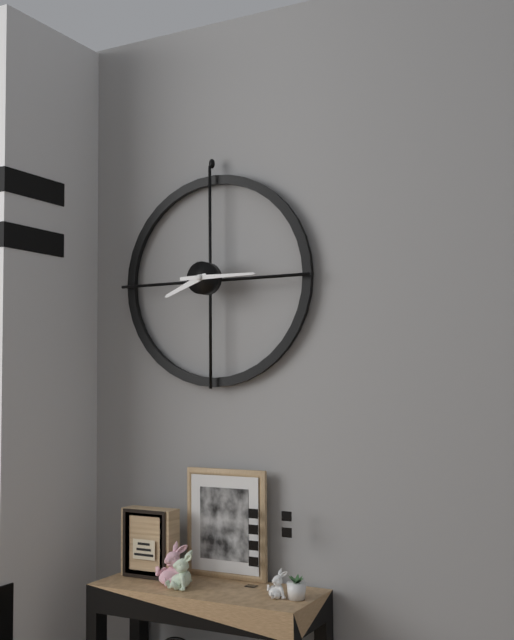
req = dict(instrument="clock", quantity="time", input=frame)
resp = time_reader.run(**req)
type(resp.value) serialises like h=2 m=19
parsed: h=8 m=15
